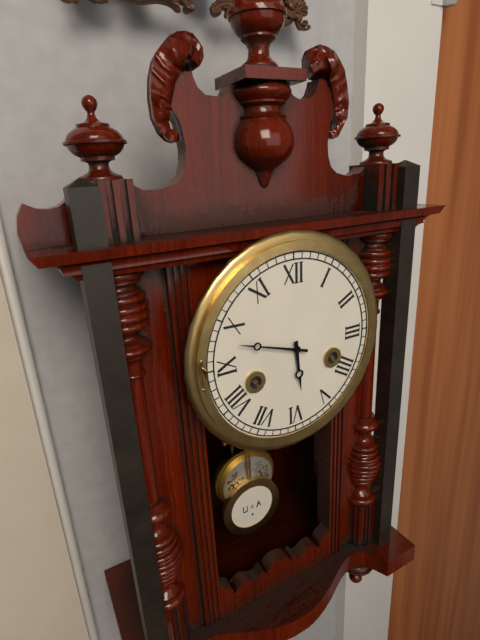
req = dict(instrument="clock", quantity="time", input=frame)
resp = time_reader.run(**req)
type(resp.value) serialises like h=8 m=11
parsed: h=5 m=48
